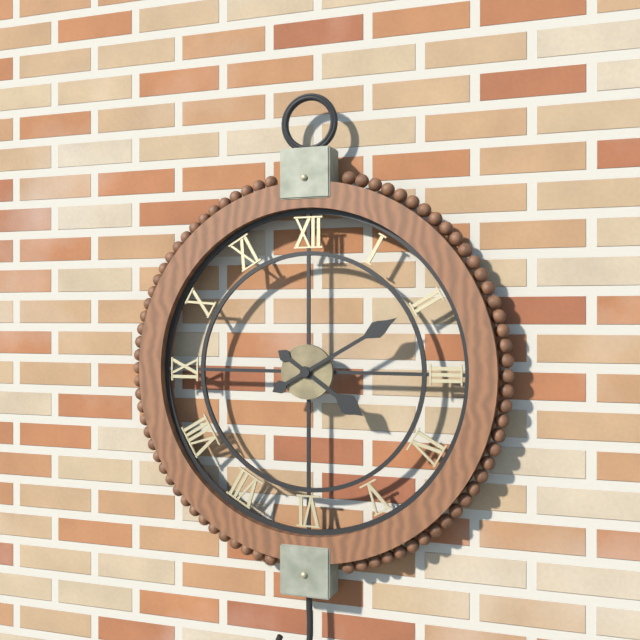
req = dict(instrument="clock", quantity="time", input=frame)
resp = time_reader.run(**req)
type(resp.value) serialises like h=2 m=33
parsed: h=4 m=10
